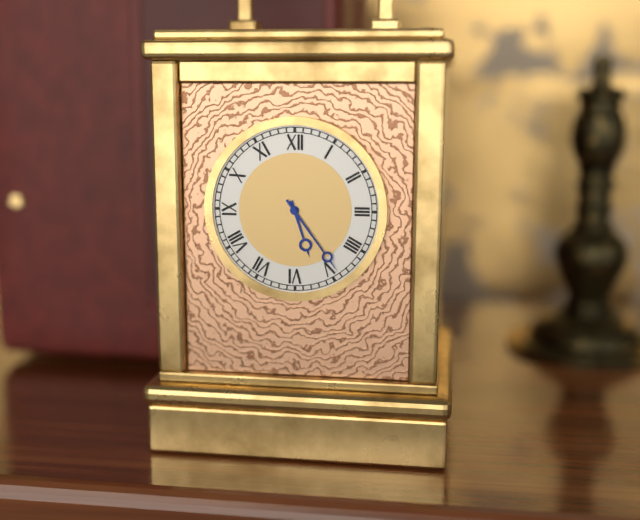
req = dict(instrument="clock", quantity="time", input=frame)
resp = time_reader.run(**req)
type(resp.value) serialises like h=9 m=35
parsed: h=5 m=24
